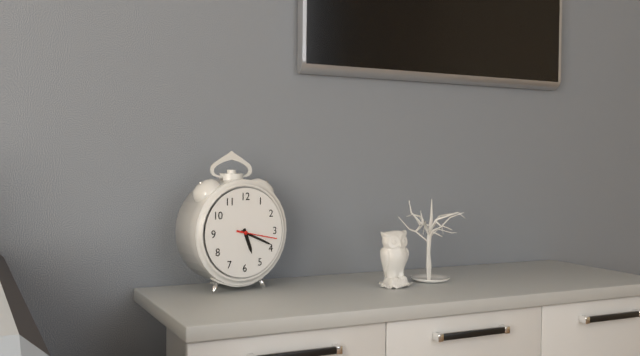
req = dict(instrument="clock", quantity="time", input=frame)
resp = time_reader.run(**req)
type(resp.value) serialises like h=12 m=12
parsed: h=5 m=19
